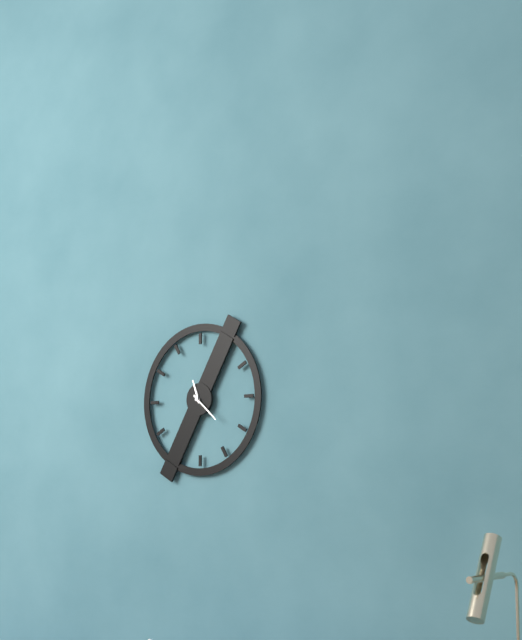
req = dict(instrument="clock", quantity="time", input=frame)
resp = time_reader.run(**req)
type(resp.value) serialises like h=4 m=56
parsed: h=11 m=22
